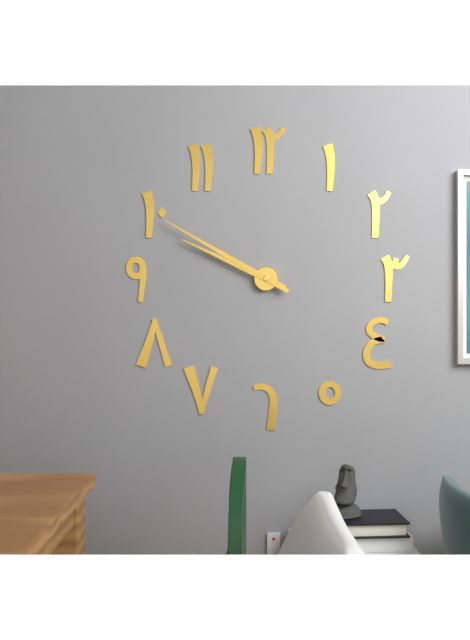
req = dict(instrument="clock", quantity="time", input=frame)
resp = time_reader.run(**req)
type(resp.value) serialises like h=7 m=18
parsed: h=9 m=50
